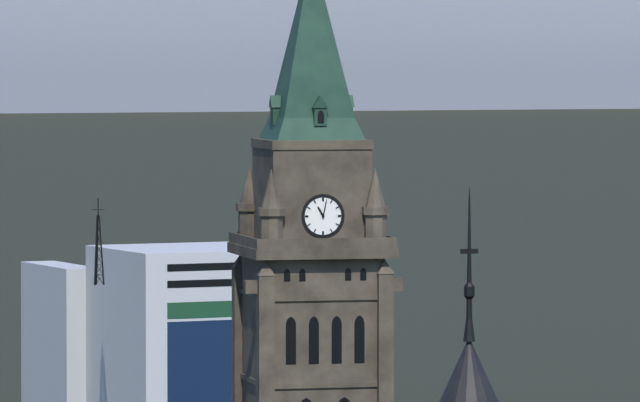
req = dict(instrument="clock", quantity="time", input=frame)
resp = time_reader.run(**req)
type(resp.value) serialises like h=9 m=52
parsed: h=11 m=2
